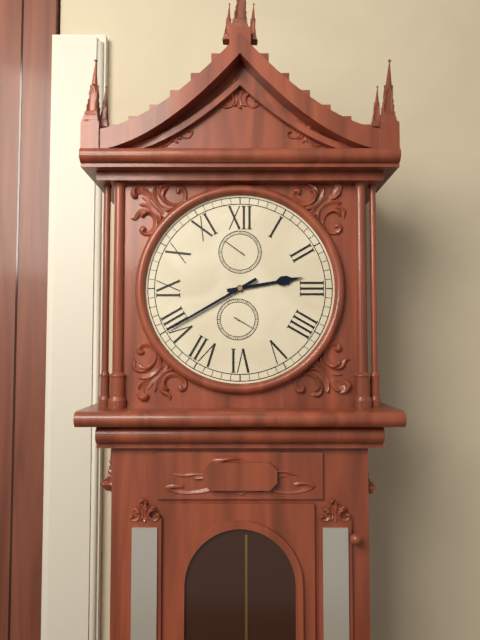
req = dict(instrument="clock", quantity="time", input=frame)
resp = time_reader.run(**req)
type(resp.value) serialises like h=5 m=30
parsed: h=2 m=40
